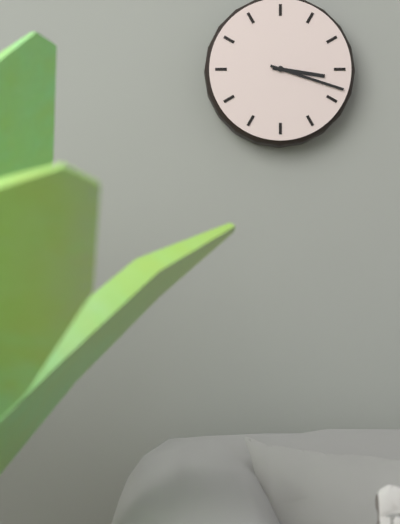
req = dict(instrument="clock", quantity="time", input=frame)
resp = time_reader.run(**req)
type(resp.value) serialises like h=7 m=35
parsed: h=3 m=18
